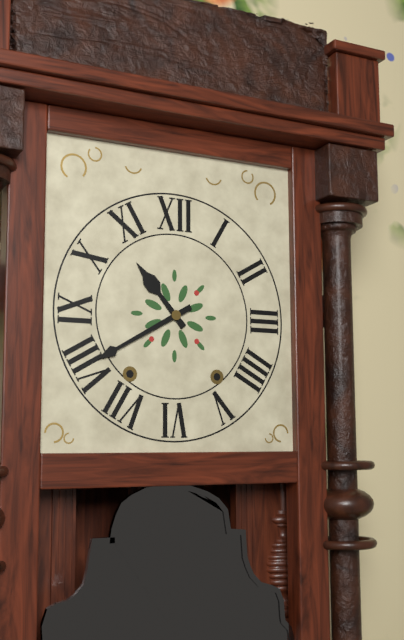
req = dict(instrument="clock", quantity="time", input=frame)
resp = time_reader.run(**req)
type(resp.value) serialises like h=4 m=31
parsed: h=10 m=40
